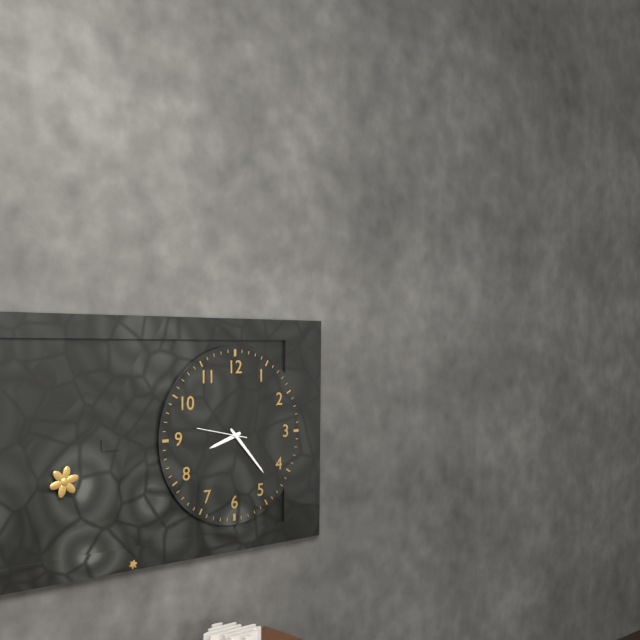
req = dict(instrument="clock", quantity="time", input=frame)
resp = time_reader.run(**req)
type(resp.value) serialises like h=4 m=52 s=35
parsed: h=8 m=23 s=47
